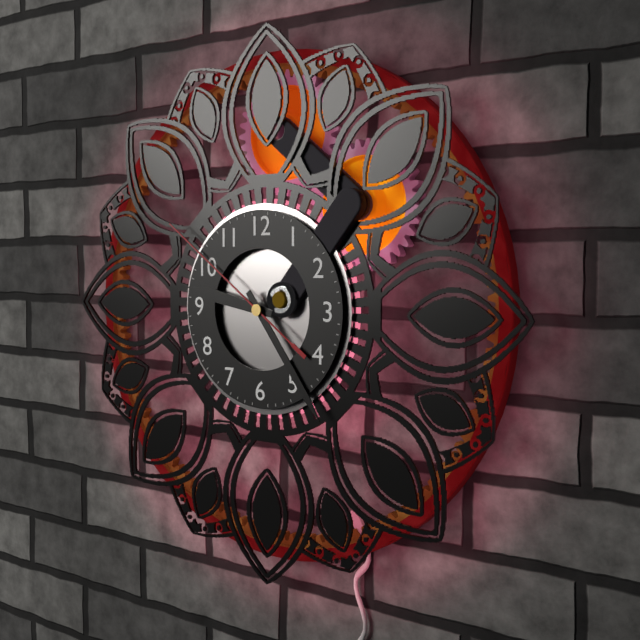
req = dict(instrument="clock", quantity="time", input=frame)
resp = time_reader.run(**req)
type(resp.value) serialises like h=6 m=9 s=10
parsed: h=9 m=24 s=51
